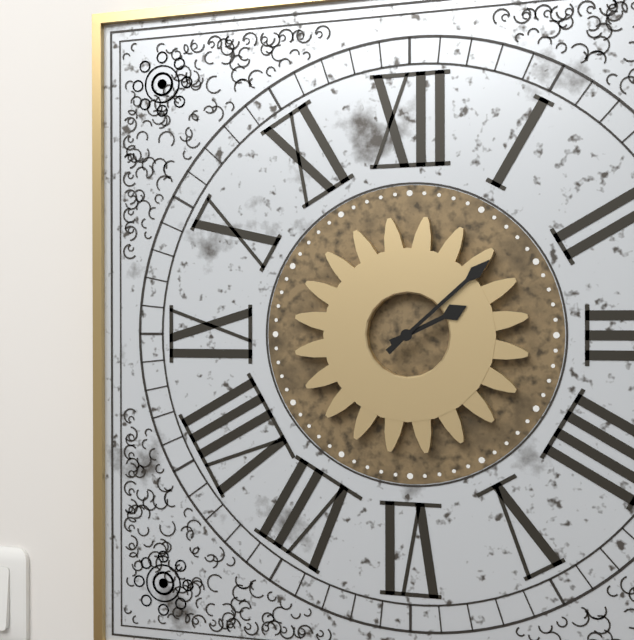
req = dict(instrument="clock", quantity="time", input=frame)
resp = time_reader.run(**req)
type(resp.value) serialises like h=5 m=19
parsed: h=2 m=8
